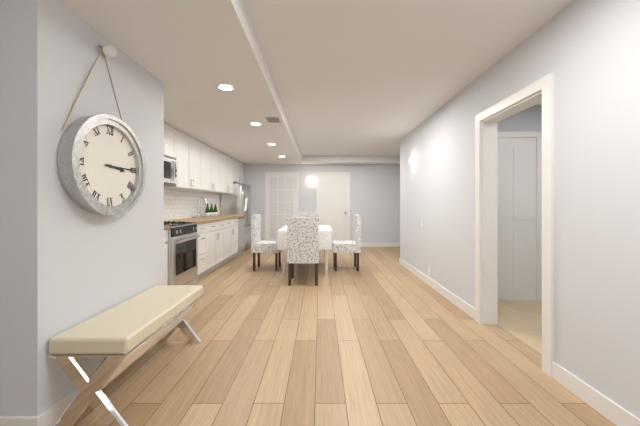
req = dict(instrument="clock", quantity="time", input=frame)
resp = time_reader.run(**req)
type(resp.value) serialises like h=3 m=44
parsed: h=3 m=15
